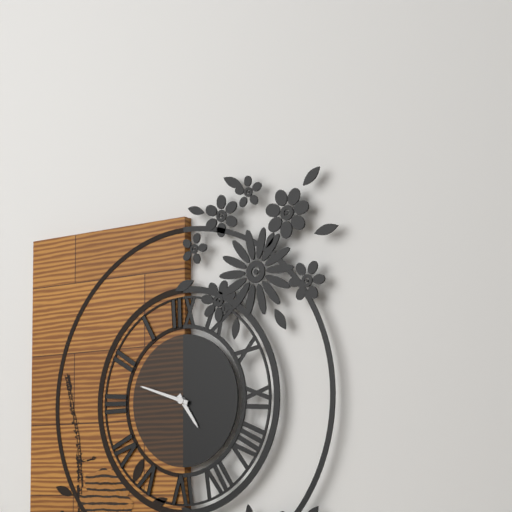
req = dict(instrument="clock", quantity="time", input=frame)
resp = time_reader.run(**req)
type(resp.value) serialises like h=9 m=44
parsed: h=4 m=48
